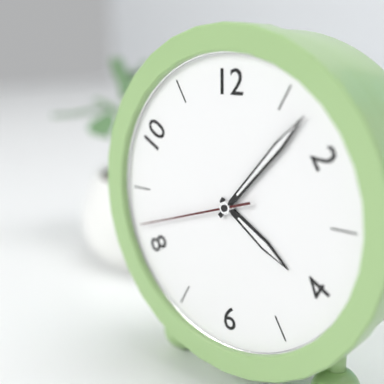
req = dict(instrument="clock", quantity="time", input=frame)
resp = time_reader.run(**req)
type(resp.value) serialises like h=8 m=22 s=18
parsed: h=4 m=7 s=42
